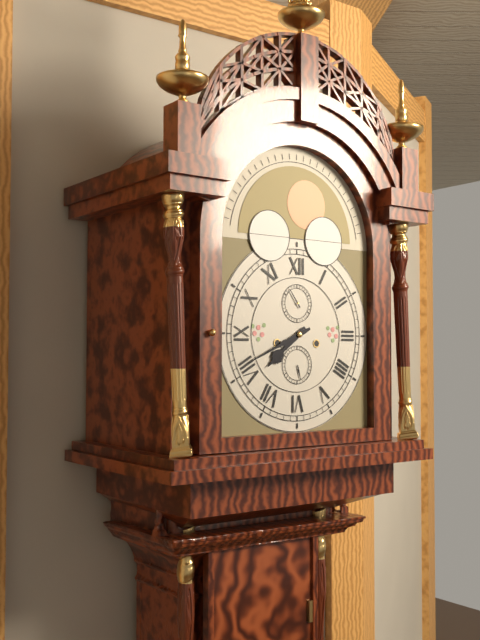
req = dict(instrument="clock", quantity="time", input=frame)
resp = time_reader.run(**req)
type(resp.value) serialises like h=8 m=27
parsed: h=7 m=41
